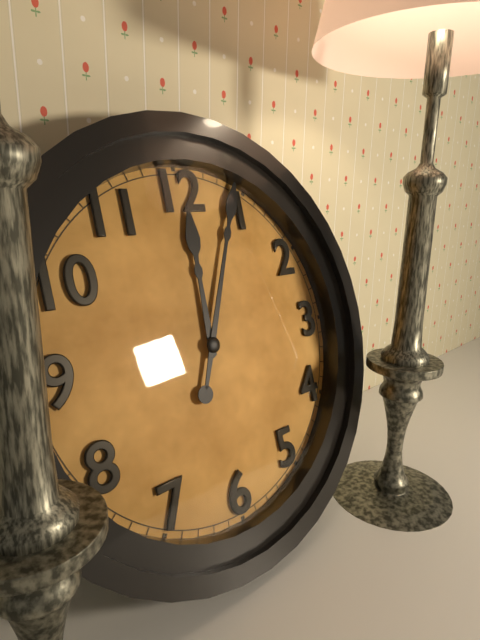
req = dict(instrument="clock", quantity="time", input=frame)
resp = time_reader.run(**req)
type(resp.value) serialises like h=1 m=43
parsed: h=12 m=4
